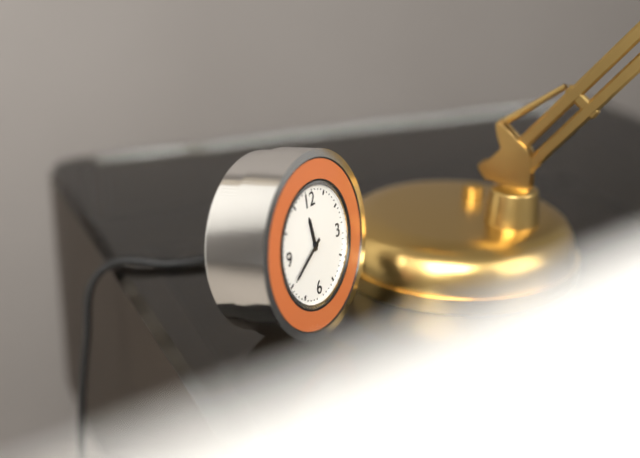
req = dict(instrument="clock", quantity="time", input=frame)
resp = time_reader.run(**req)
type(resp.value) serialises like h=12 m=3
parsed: h=11 m=40
